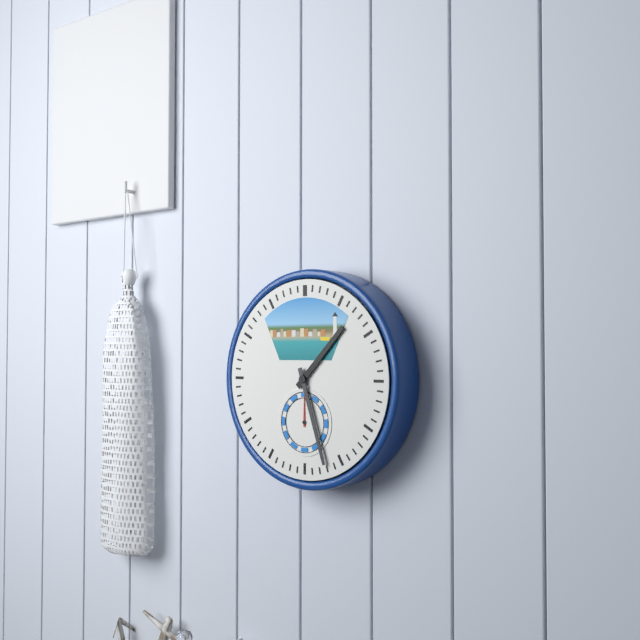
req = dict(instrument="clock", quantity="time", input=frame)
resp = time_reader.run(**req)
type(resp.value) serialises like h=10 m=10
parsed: h=1 m=27
